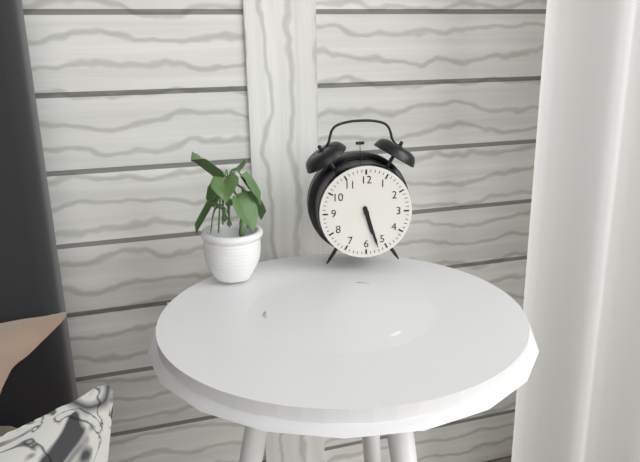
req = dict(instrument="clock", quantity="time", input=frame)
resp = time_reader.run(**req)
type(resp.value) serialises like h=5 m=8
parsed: h=5 m=27
